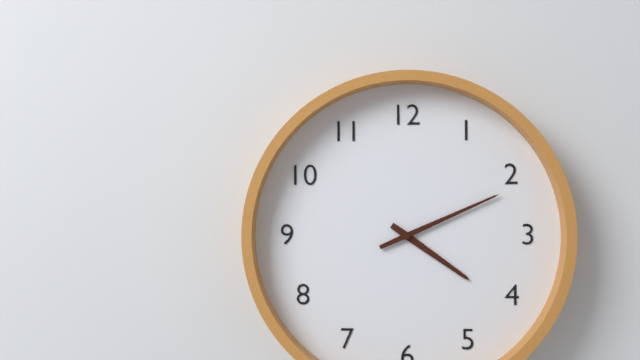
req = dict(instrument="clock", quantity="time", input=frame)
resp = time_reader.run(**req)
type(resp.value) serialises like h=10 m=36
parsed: h=4 m=11
